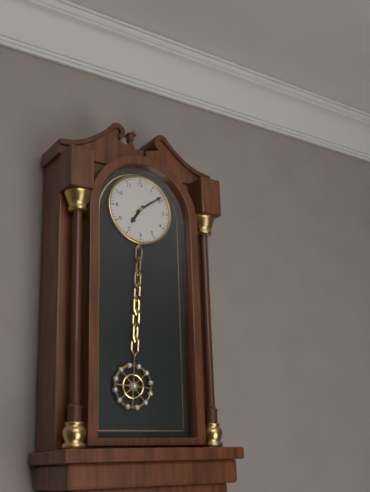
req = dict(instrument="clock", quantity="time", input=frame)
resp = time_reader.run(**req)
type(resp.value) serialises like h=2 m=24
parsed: h=7 m=9
